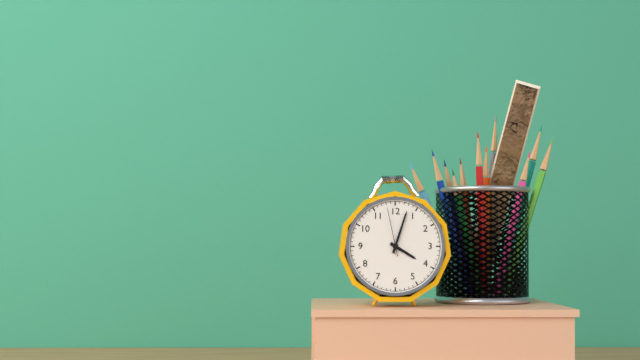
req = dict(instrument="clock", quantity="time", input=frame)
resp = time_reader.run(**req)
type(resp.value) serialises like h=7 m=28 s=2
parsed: h=4 m=3 s=58
